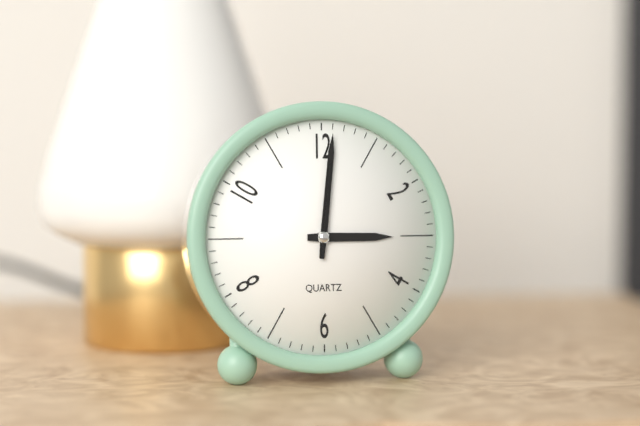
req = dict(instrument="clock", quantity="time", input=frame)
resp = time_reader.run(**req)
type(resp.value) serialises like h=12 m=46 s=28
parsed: h=3 m=1 s=1
